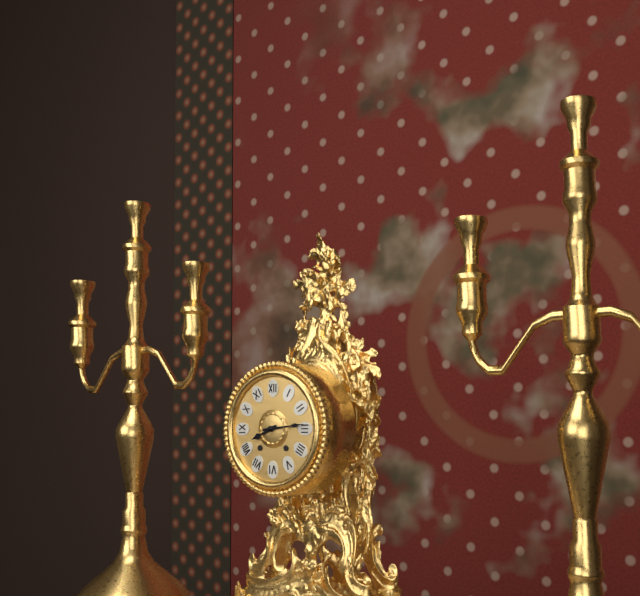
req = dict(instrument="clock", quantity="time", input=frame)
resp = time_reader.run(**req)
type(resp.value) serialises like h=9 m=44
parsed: h=8 m=14
